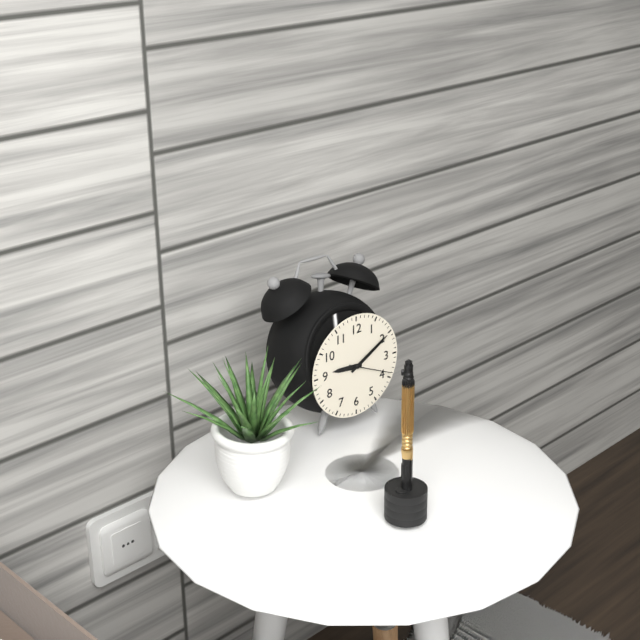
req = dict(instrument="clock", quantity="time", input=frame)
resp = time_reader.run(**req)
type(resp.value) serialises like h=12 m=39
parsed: h=9 m=10
